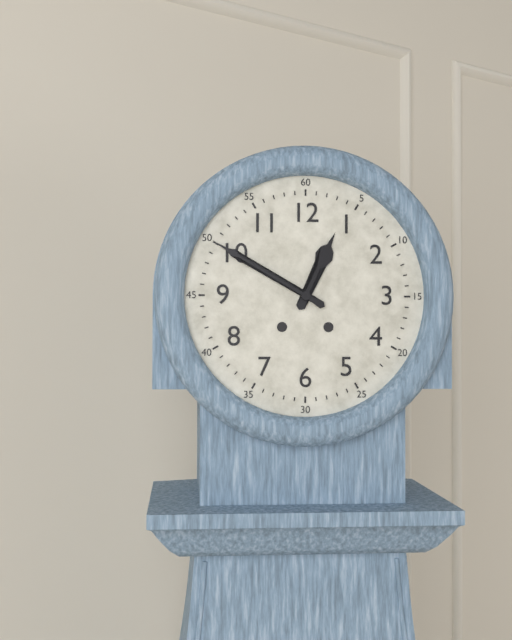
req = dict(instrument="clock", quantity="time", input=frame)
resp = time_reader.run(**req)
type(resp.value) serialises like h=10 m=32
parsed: h=12 m=50
